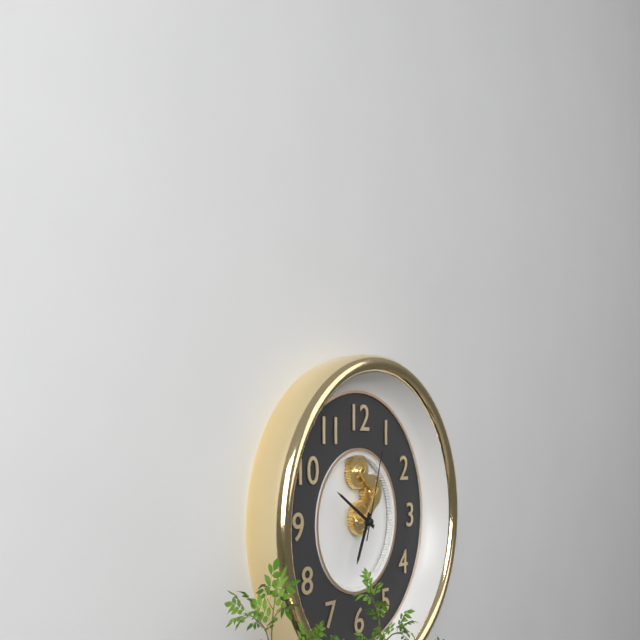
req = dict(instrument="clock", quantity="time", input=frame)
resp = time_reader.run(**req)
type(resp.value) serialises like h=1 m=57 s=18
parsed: h=6 m=50 s=3
